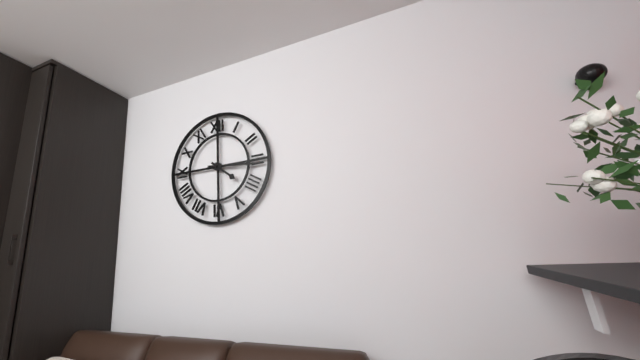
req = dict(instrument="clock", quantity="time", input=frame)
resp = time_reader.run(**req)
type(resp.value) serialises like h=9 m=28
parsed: h=4 m=16
